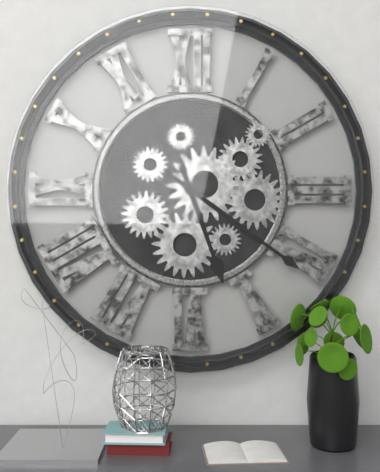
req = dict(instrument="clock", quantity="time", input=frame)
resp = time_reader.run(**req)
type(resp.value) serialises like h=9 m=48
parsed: h=5 m=21
